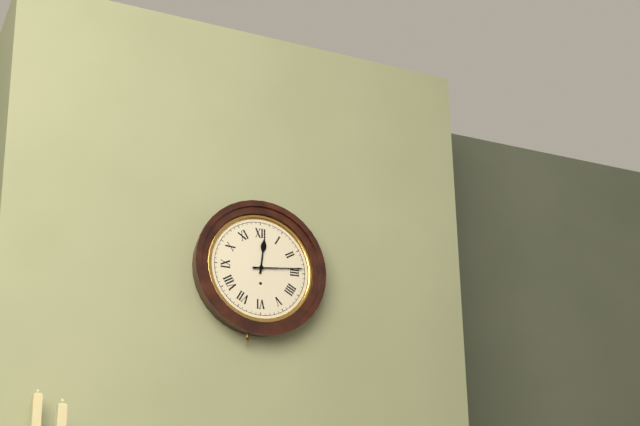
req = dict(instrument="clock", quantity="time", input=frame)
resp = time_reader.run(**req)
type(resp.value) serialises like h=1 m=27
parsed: h=12 m=14
